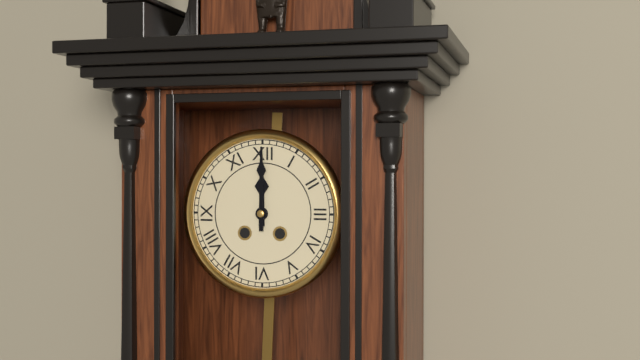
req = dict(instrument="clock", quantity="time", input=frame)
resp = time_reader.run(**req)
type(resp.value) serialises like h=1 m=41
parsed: h=12 m=0
